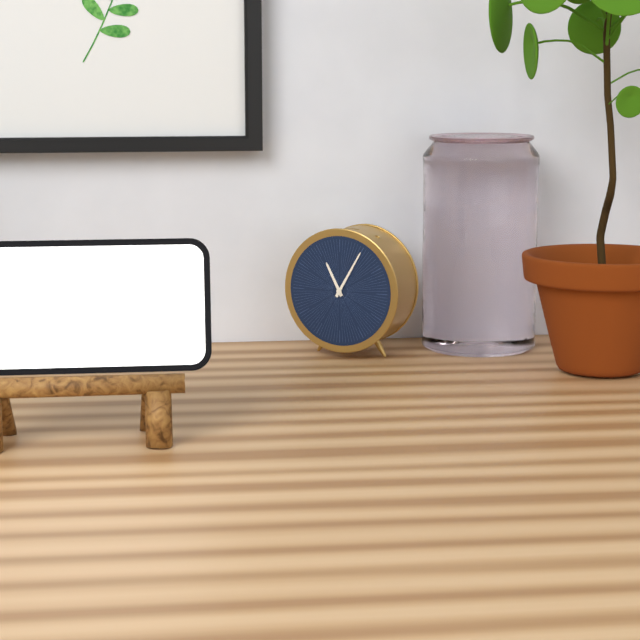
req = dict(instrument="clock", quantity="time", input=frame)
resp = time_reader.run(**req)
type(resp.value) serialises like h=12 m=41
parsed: h=11 m=5
